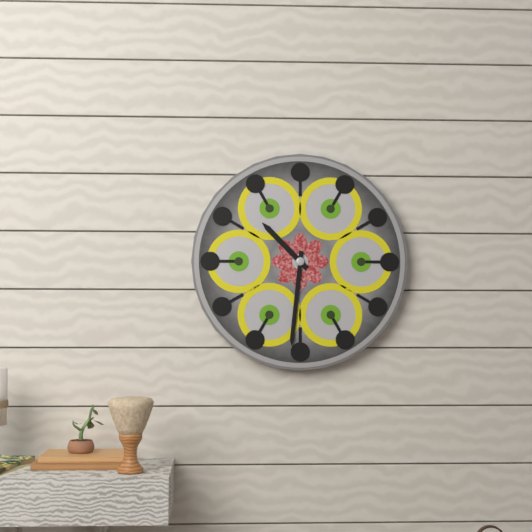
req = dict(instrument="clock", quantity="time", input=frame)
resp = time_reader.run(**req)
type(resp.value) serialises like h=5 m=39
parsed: h=10 m=31
